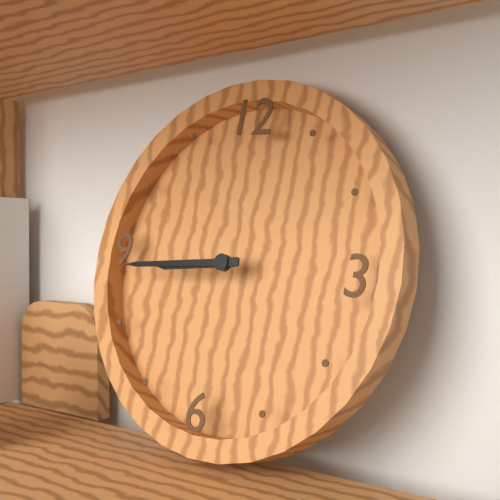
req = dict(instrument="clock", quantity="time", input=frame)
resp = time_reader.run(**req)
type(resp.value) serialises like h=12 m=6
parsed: h=8 m=44
